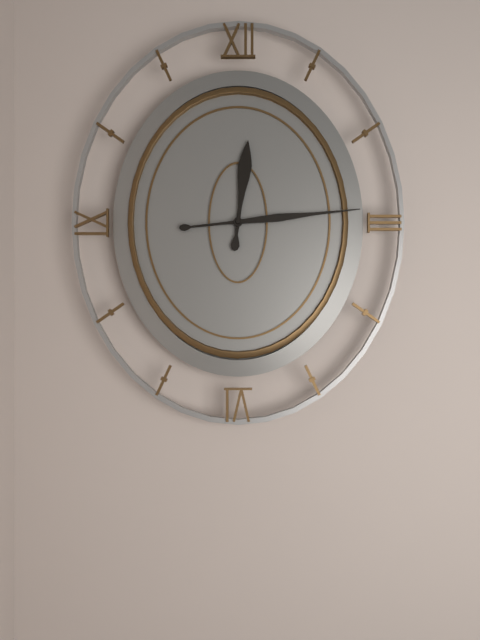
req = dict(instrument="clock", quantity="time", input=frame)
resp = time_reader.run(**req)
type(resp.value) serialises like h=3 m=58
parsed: h=12 m=14
